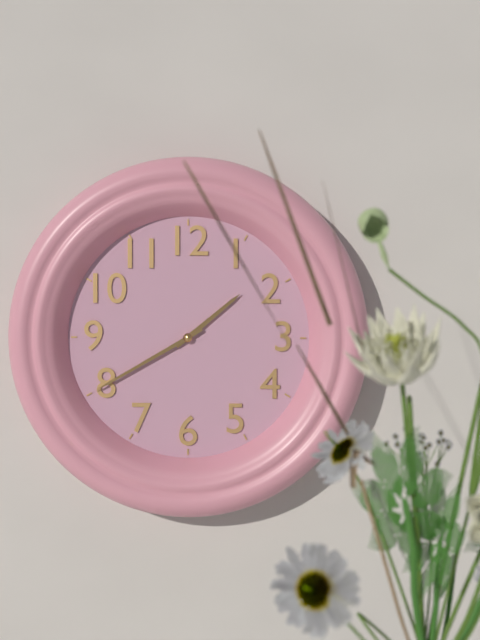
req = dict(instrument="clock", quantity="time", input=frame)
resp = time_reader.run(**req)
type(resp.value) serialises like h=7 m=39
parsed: h=1 m=40
